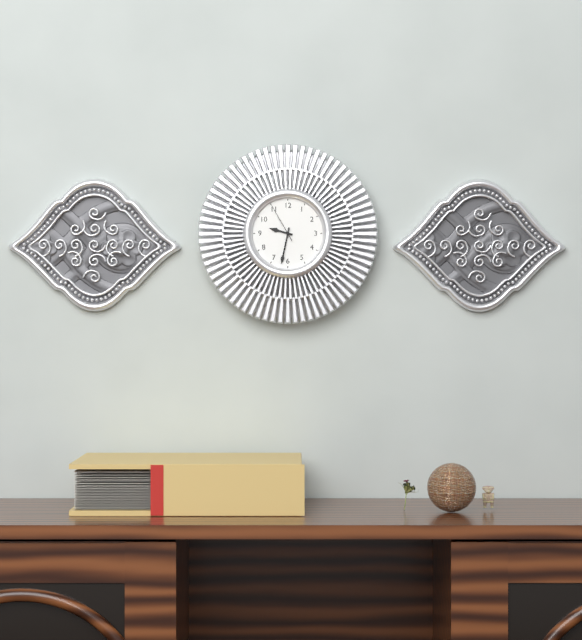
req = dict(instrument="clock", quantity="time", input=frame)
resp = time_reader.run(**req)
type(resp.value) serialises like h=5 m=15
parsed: h=9 m=32
